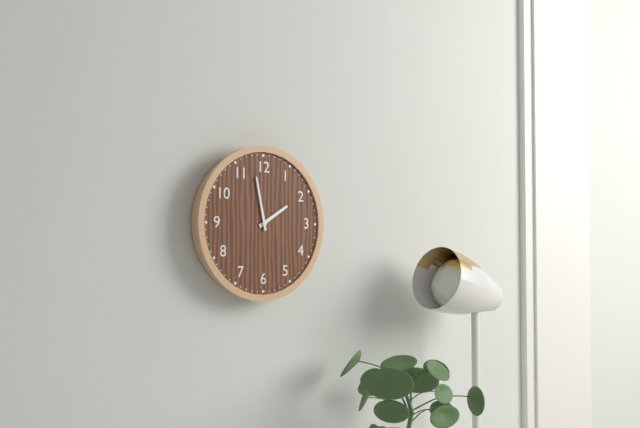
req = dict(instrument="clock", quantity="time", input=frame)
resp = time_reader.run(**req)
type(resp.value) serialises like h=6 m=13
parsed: h=1 m=58
